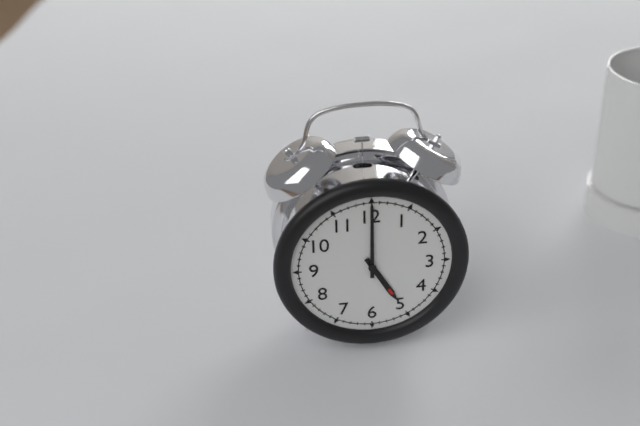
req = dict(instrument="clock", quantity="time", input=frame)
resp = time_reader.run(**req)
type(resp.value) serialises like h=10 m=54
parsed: h=5 m=0
